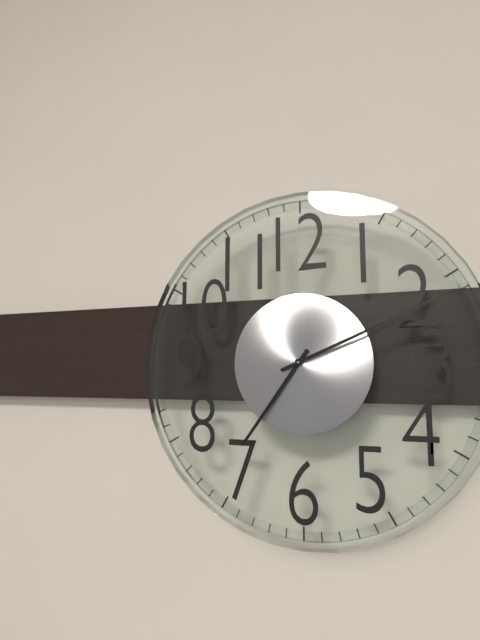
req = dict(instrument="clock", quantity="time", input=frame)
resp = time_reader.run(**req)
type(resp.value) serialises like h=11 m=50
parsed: h=7 m=11
